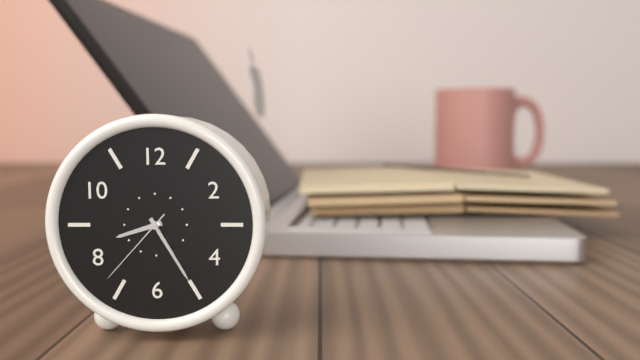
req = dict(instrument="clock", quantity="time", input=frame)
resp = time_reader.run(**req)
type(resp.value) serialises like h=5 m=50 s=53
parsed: h=8 m=25 s=37
